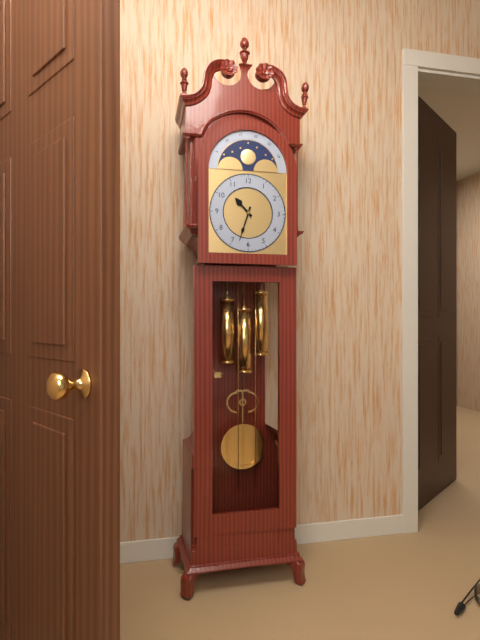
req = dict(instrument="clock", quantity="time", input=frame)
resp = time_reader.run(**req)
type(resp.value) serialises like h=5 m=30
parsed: h=10 m=33
